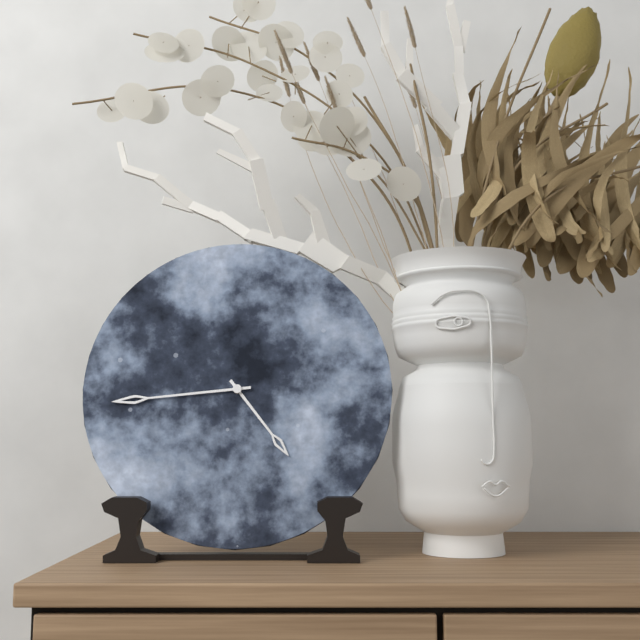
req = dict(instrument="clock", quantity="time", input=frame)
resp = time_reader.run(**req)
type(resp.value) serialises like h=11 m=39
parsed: h=4 m=44
